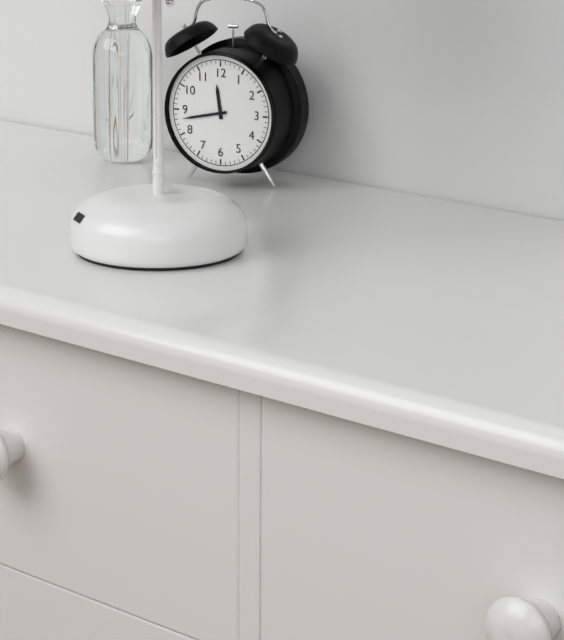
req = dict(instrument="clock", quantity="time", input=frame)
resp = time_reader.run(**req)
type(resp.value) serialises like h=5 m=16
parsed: h=11 m=43
